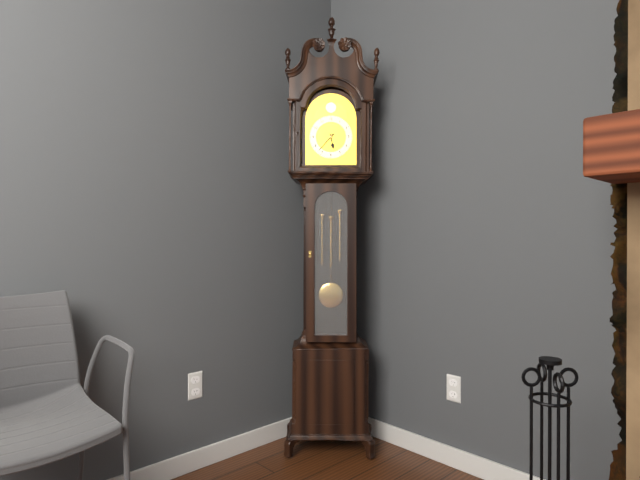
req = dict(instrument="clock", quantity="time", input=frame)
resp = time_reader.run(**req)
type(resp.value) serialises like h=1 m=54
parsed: h=5 m=37
